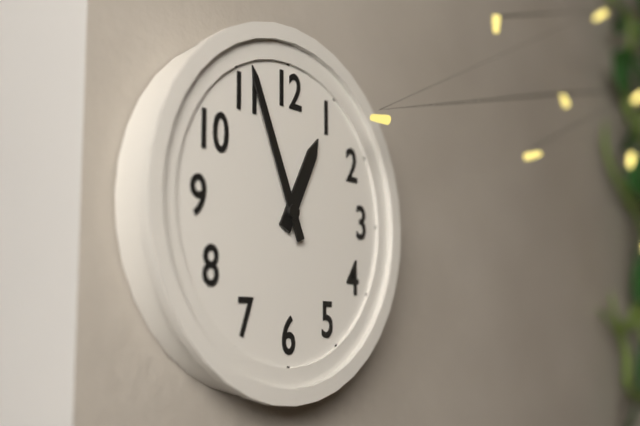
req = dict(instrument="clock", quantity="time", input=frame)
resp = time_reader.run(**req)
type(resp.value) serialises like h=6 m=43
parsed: h=12 m=56
